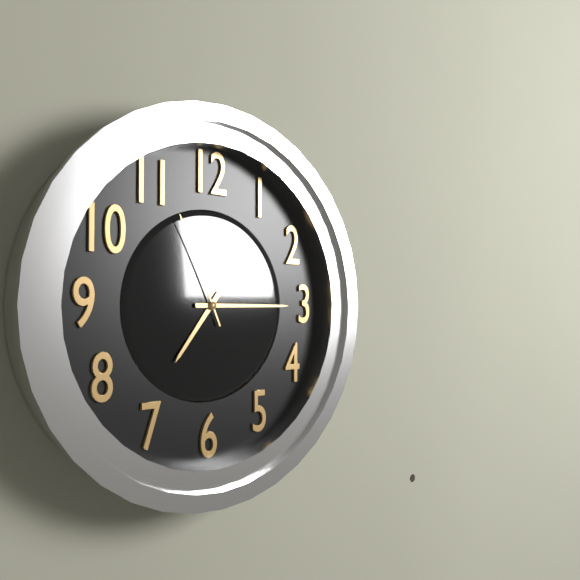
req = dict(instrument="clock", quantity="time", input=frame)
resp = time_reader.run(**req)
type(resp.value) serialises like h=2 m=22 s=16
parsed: h=7 m=15 s=56
